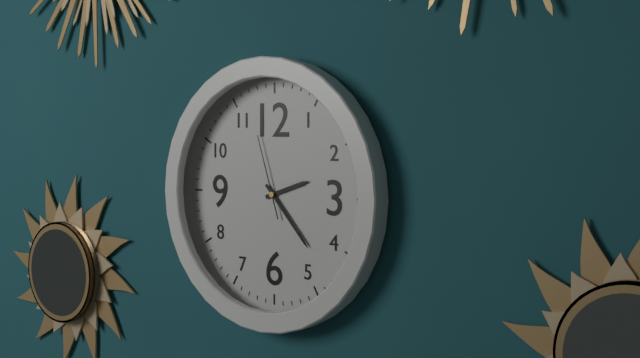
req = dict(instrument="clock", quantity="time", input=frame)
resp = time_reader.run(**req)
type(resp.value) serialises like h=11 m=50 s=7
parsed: h=2 m=23 s=57
